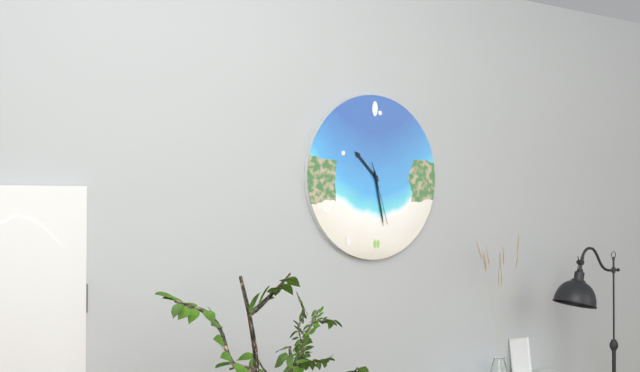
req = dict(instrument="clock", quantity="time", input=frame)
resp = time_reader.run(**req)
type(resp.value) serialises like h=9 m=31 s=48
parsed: h=10 m=28 s=27
